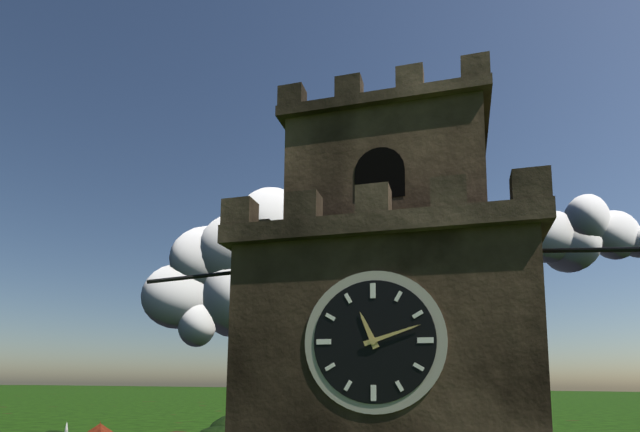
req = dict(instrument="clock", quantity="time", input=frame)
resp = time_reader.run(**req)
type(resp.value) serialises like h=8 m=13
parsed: h=11 m=12
